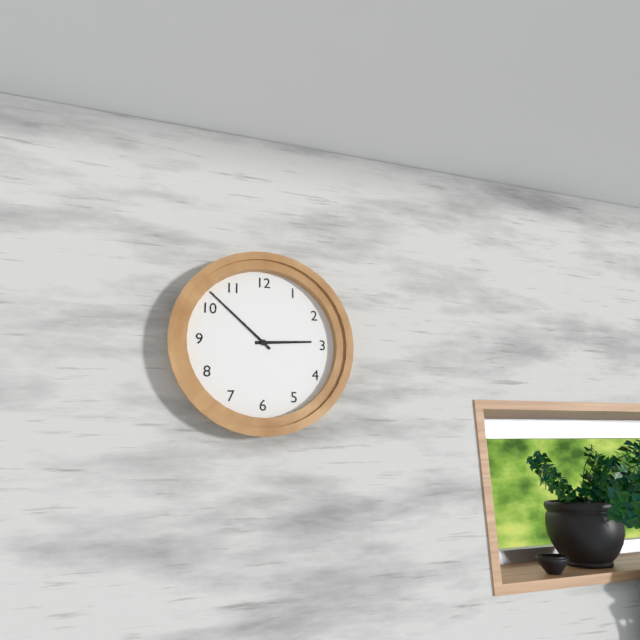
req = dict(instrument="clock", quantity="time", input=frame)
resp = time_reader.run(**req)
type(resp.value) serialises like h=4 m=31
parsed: h=2 m=52
